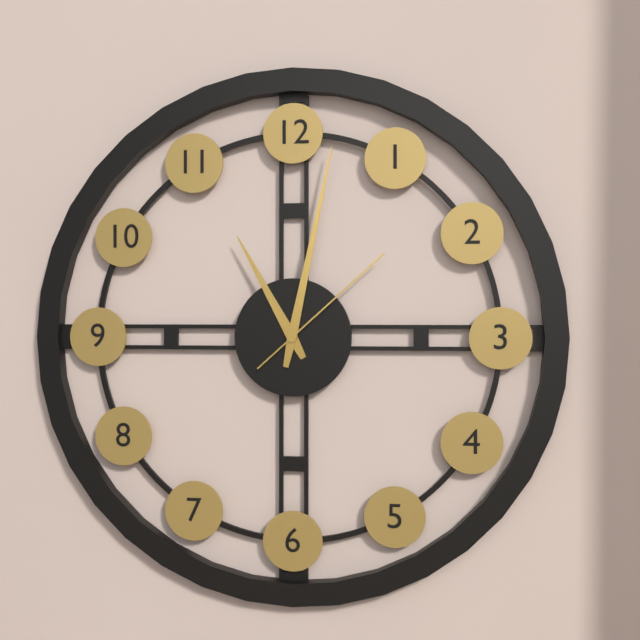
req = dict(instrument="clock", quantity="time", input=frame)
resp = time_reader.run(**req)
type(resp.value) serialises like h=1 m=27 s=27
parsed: h=11 m=2 s=8
